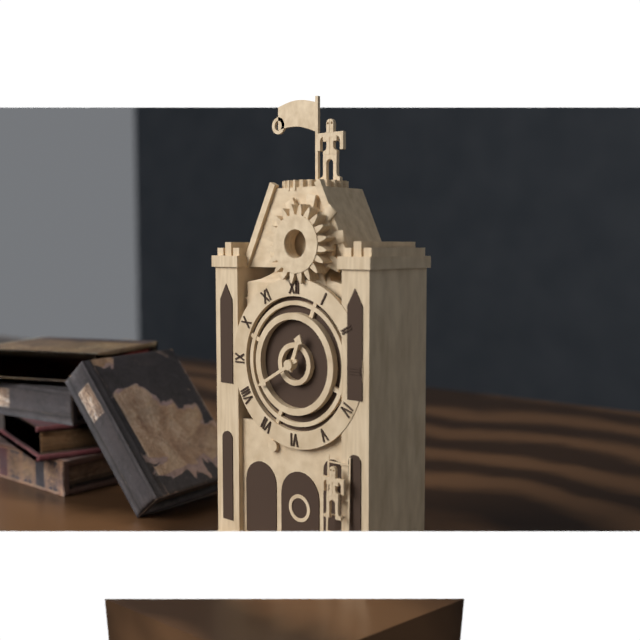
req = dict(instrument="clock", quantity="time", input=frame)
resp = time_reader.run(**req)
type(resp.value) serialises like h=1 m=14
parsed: h=12 m=40
